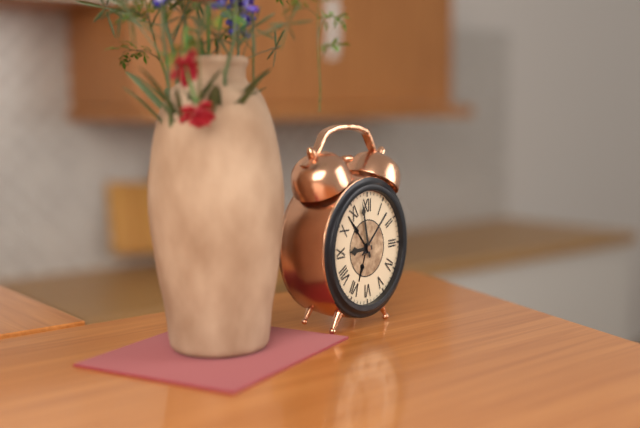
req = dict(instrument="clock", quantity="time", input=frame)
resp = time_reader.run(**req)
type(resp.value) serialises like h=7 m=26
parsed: h=8 m=58
